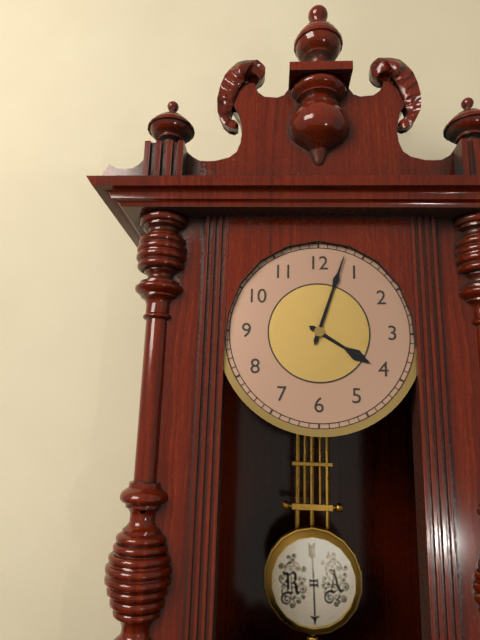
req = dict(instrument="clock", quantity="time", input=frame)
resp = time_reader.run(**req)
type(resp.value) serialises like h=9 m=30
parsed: h=4 m=3
